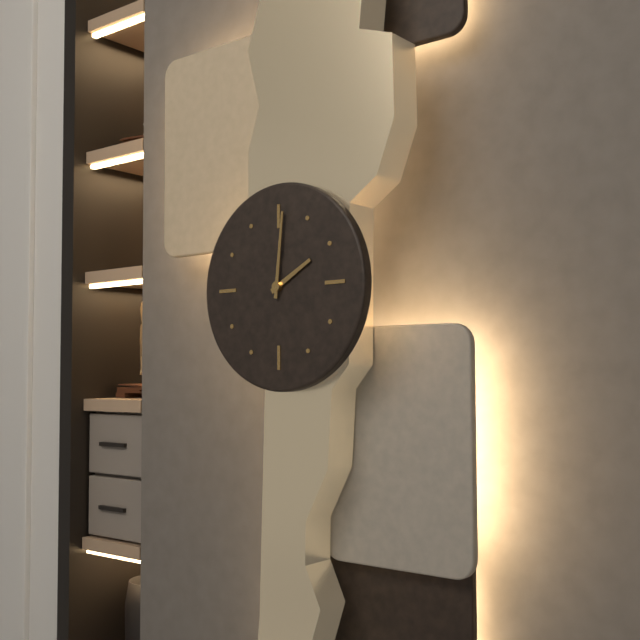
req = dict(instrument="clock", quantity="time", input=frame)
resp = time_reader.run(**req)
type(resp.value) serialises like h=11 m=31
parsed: h=2 m=1
